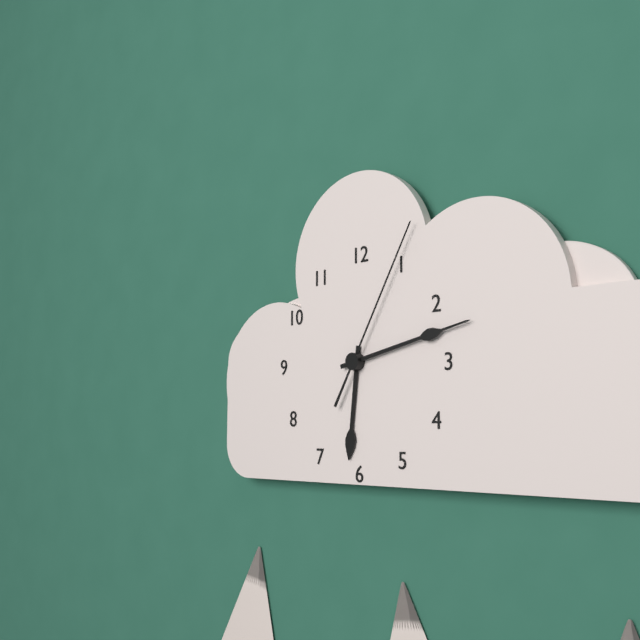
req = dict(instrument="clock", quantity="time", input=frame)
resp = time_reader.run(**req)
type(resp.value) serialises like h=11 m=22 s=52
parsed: h=6 m=13 s=5
